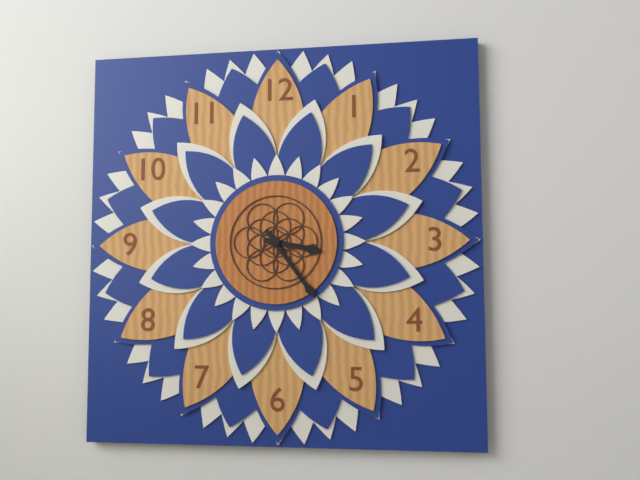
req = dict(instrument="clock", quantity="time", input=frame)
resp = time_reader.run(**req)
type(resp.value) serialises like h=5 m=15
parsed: h=3 m=24
